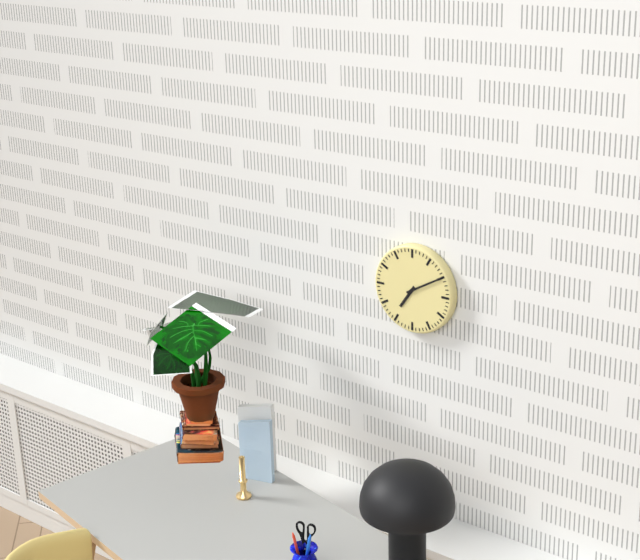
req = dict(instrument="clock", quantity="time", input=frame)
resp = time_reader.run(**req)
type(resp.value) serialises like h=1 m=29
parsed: h=7 m=10
